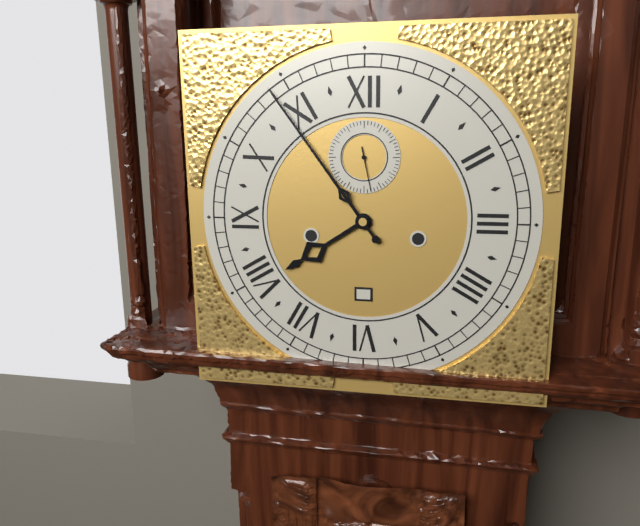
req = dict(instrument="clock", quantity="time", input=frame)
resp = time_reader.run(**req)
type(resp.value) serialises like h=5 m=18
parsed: h=7 m=54
